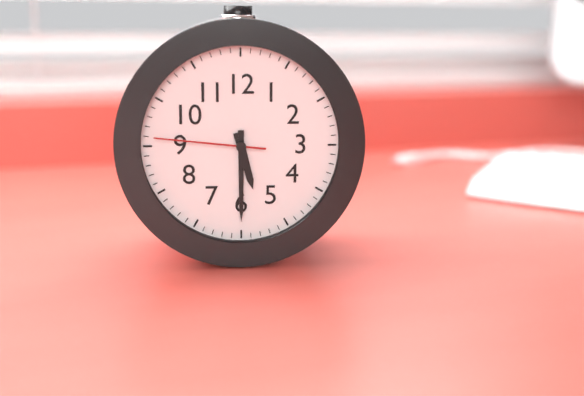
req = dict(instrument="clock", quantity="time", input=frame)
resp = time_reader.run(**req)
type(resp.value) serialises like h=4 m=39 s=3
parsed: h=5 m=30 s=46
